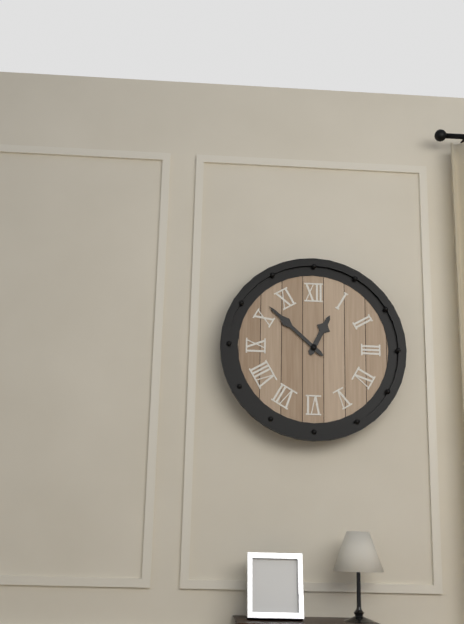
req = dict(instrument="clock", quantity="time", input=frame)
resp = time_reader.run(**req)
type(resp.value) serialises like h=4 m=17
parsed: h=12 m=52
